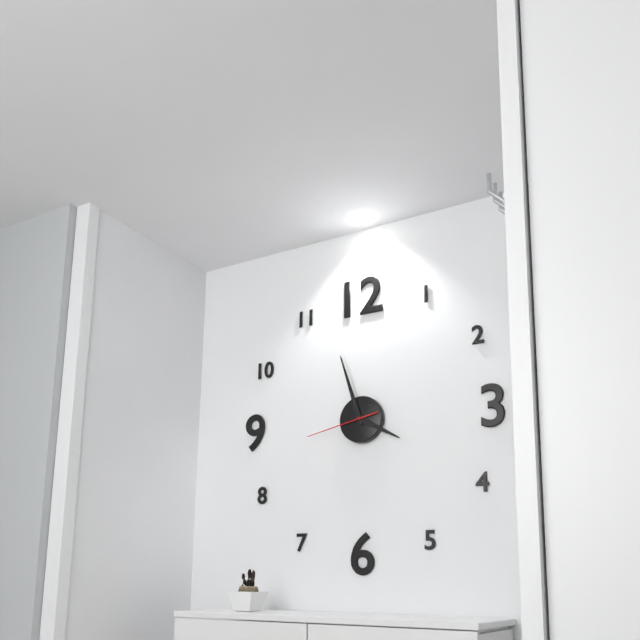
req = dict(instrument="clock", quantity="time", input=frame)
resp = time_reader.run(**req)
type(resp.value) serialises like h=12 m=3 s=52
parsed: h=3 m=57 s=43
